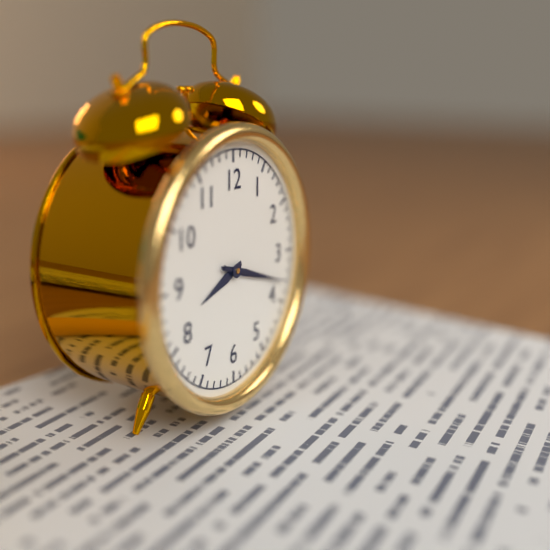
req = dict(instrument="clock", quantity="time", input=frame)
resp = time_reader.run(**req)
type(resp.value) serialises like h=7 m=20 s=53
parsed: h=8 m=18 s=18
